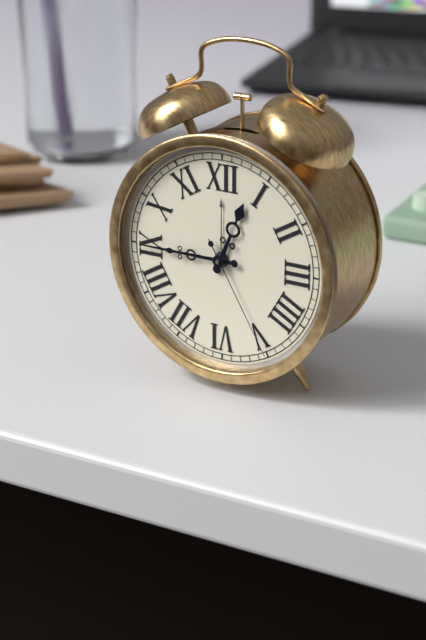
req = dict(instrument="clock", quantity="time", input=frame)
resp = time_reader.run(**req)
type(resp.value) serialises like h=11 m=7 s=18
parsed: h=12 m=45 s=25
